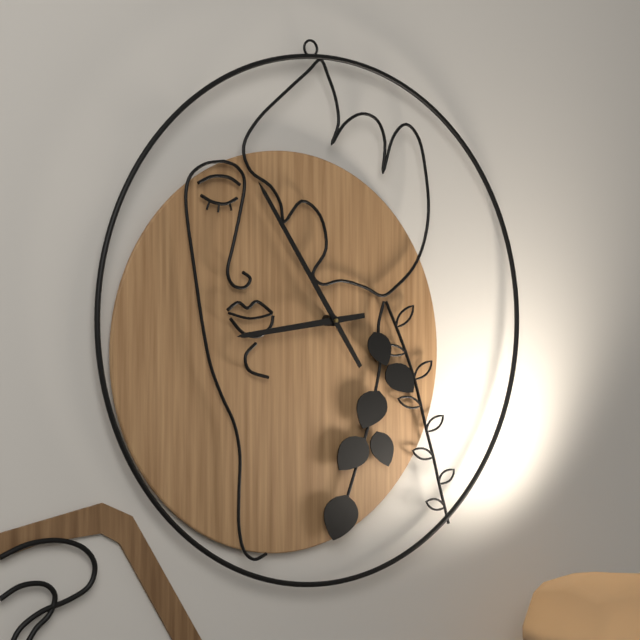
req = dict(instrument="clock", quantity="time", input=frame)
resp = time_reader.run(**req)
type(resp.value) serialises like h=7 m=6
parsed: h=8 m=55
